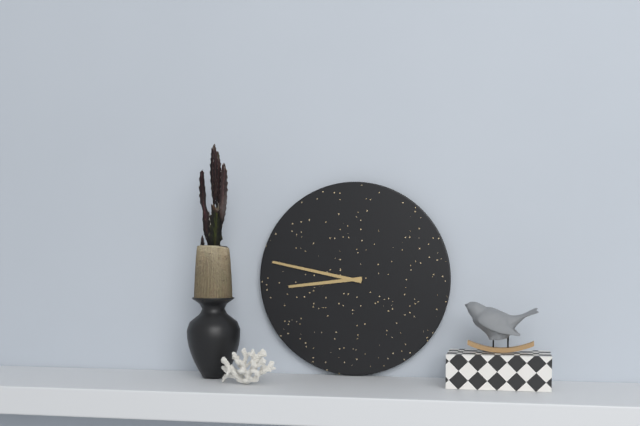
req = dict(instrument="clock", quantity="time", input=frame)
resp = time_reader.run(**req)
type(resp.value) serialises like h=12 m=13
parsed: h=8 m=47
